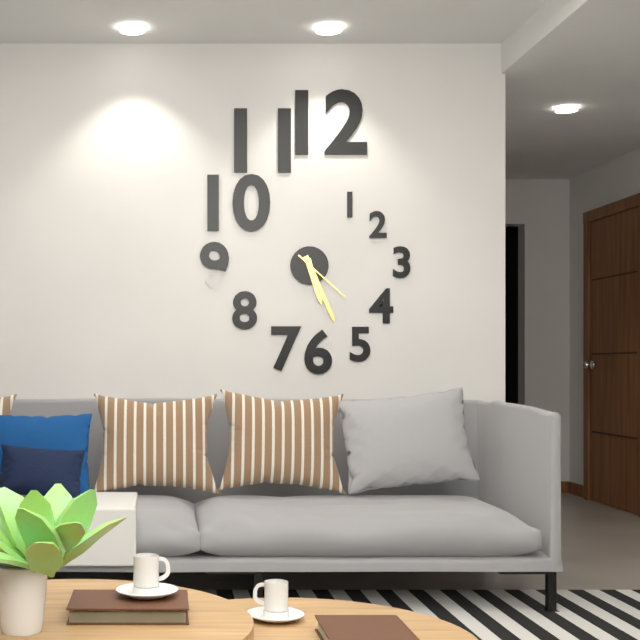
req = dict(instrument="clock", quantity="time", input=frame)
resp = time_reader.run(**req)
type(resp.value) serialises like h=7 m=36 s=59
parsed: h=5 m=26 s=22
